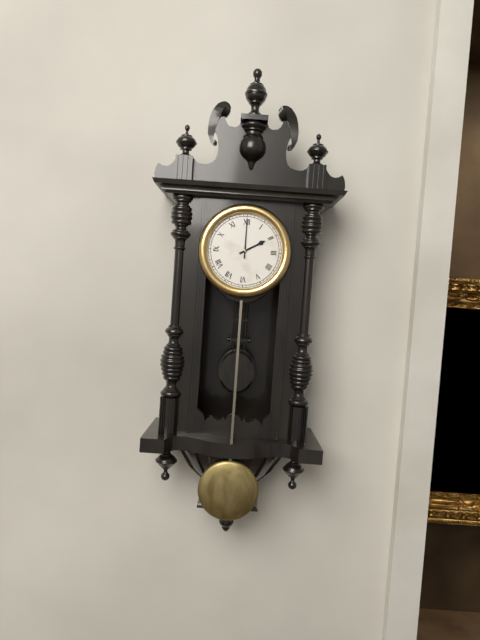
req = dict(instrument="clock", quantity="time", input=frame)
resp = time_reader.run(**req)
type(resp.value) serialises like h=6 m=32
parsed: h=2 m=0
